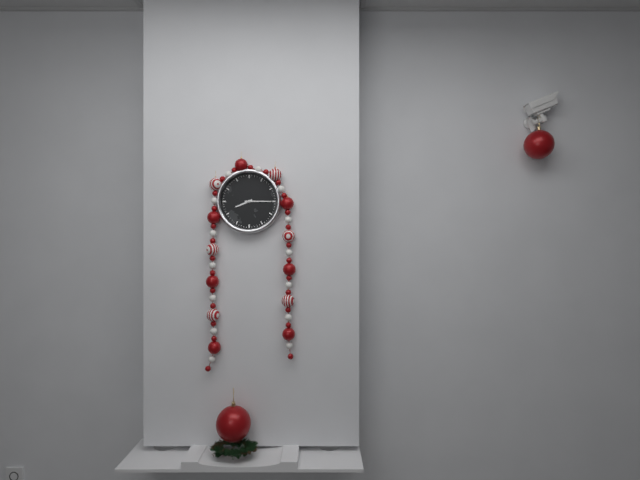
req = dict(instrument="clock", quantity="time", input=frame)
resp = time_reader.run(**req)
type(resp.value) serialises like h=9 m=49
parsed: h=8 m=15
